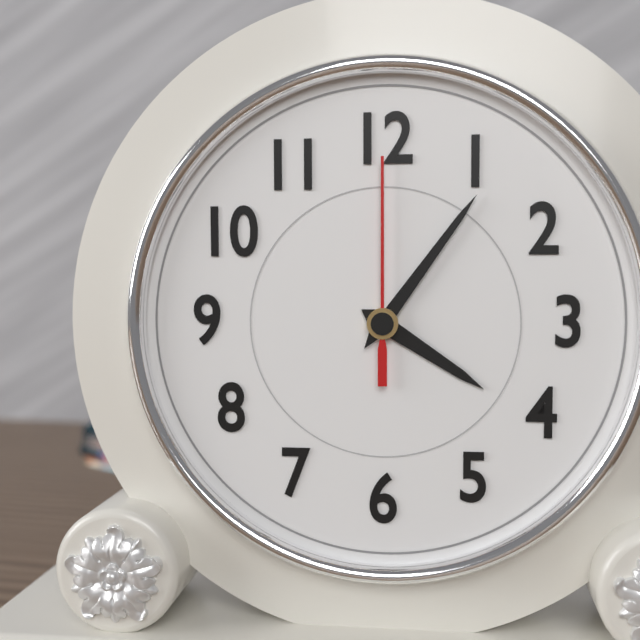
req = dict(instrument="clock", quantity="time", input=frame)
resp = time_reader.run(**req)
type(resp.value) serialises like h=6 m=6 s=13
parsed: h=4 m=6 s=0
